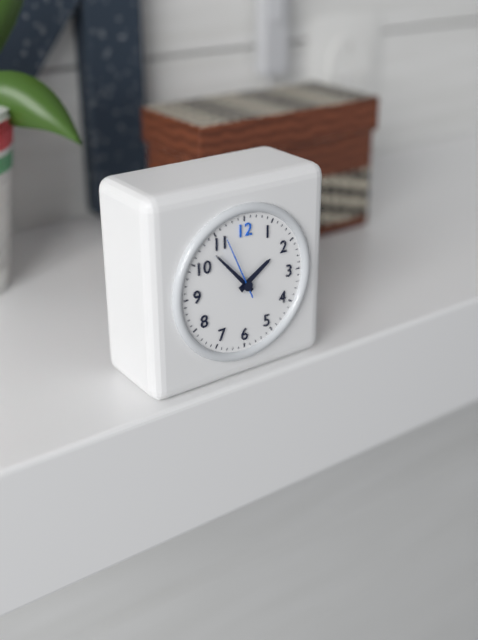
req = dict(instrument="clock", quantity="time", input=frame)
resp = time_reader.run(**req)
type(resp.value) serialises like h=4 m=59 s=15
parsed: h=1 m=53 s=56
